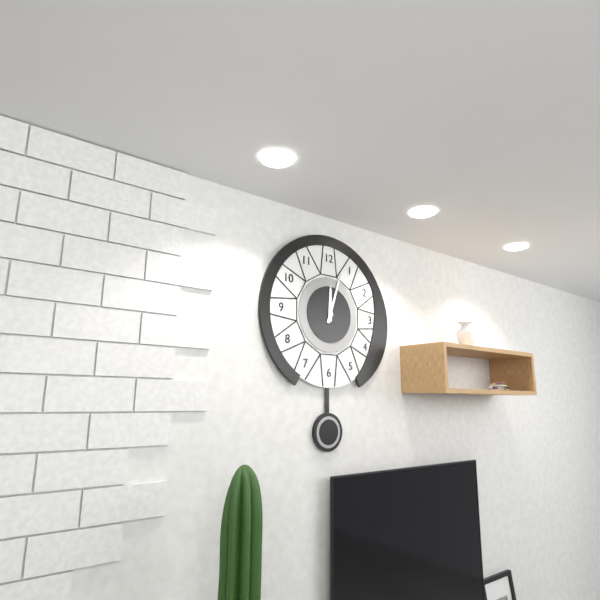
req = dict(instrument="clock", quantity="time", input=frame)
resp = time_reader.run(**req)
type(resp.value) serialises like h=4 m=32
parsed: h=12 m=3
